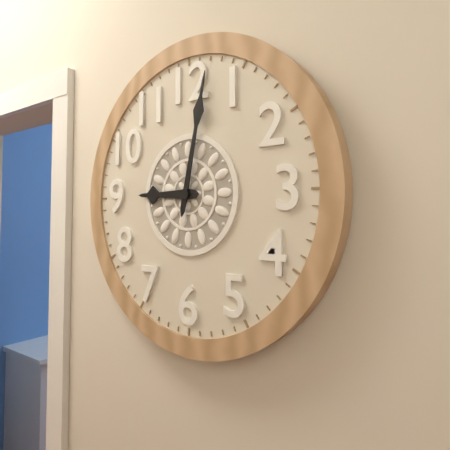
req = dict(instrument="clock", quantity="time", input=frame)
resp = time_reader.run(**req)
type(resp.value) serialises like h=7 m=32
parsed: h=9 m=2
